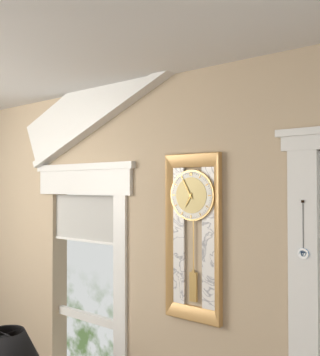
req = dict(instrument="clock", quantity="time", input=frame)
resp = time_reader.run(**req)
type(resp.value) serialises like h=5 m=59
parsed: h=6 m=55
